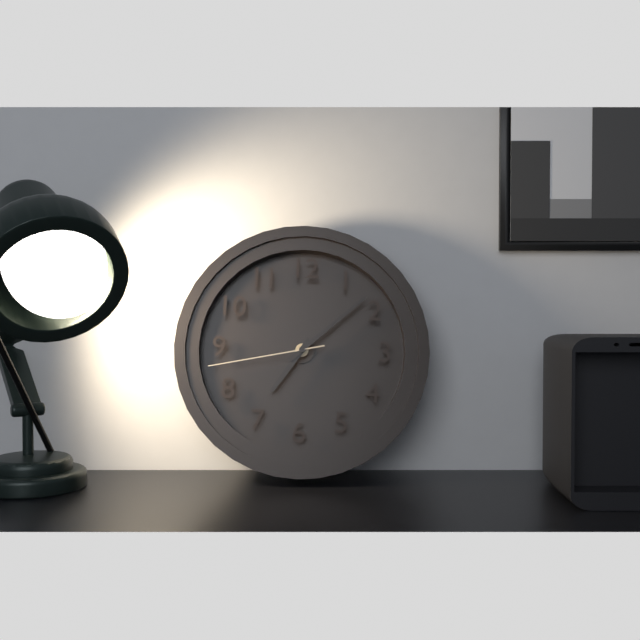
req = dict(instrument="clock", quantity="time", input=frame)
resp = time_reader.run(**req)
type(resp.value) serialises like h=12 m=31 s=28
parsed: h=7 m=8 s=43
